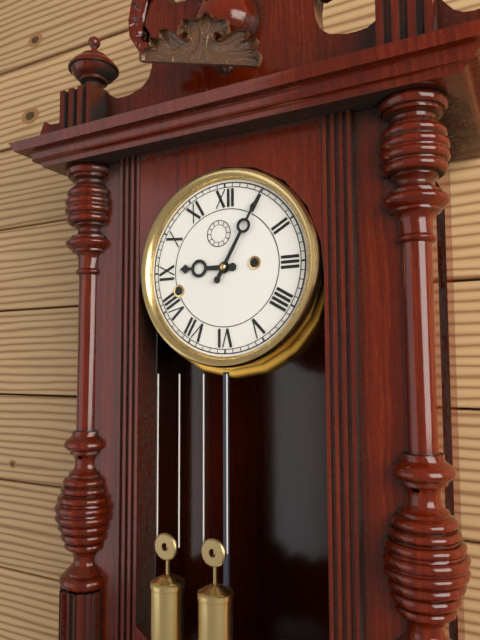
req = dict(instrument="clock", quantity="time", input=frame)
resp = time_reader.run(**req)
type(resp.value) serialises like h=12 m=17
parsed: h=9 m=5
